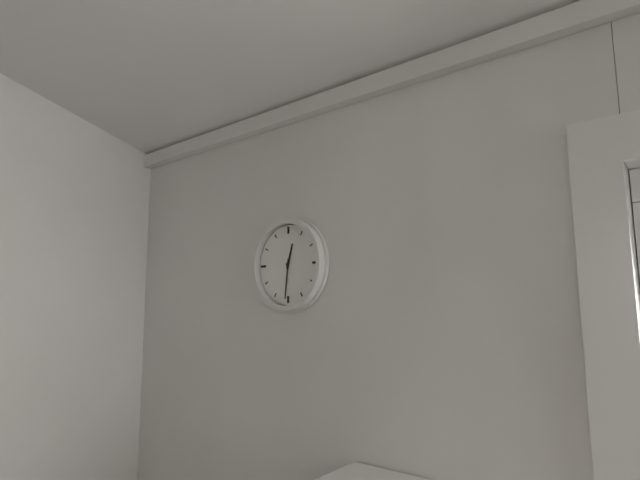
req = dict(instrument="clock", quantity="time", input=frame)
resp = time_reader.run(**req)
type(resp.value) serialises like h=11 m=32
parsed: h=12 m=31
